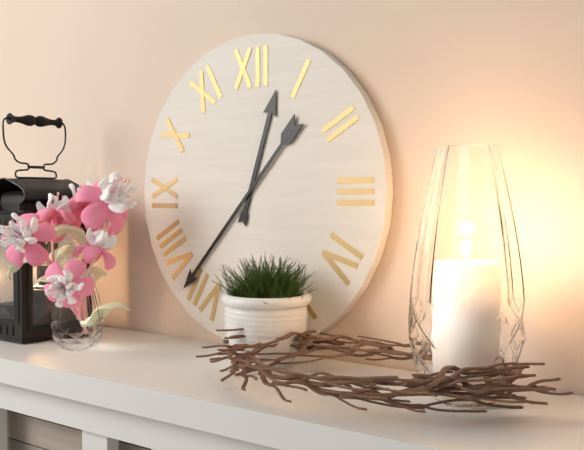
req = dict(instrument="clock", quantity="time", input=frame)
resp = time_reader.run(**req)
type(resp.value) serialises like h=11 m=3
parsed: h=12 m=37
